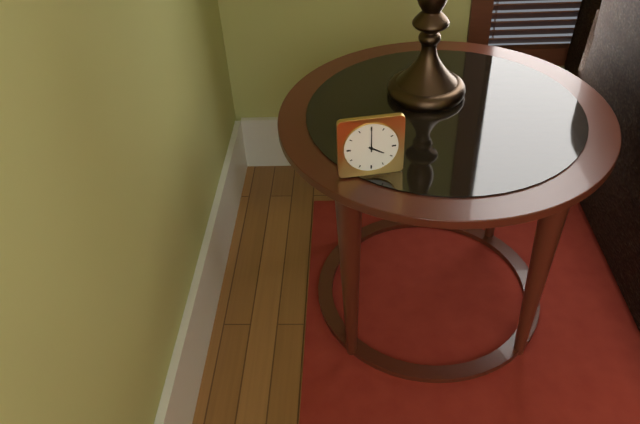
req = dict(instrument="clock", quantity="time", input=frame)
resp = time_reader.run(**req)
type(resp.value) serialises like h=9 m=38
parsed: h=4 m=0
